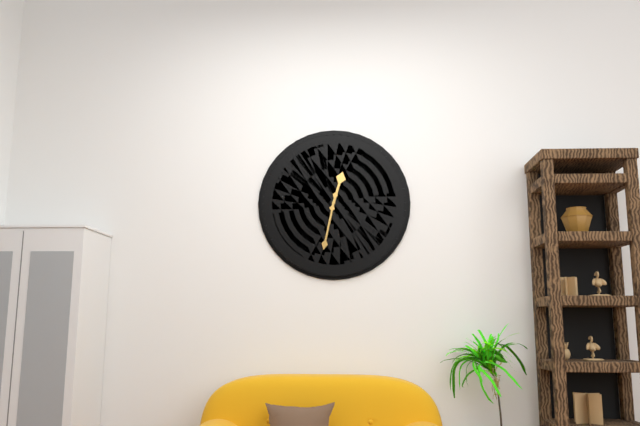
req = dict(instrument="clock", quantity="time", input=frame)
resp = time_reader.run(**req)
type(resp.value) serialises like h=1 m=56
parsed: h=12 m=32
